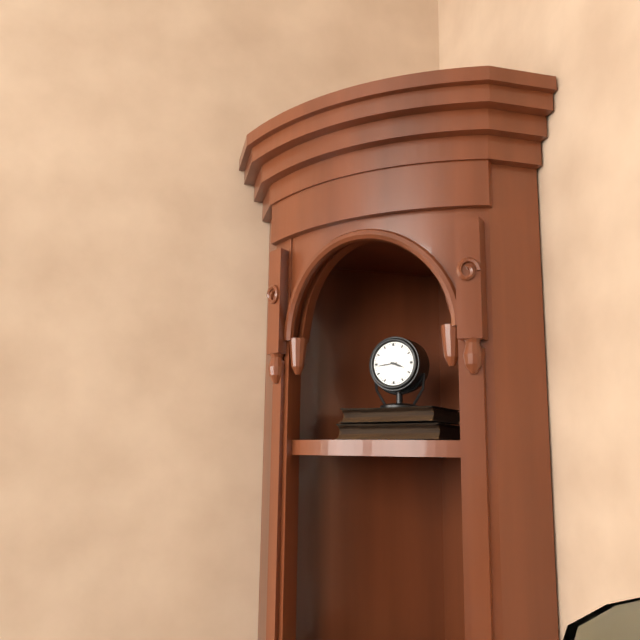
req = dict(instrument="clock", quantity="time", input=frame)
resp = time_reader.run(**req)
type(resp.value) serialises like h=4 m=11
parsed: h=3 m=44
